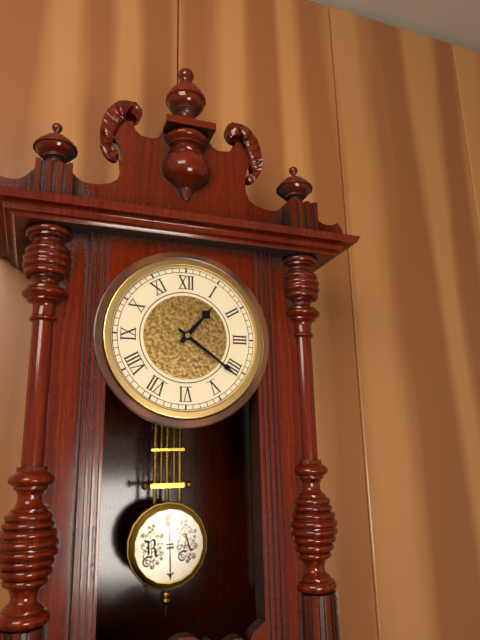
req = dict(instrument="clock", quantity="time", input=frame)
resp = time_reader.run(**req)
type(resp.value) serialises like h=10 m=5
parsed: h=1 m=21
